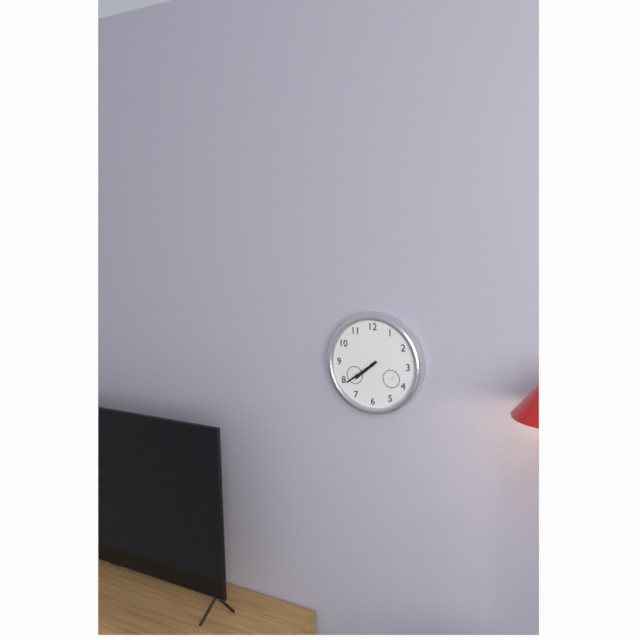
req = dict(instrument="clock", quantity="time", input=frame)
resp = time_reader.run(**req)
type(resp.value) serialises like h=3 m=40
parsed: h=7 m=39
